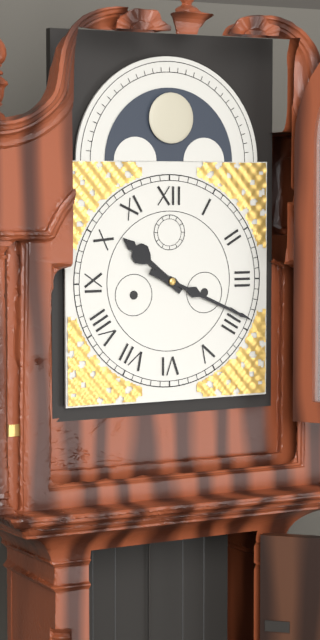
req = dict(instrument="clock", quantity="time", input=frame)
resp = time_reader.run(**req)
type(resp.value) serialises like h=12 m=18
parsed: h=10 m=19
